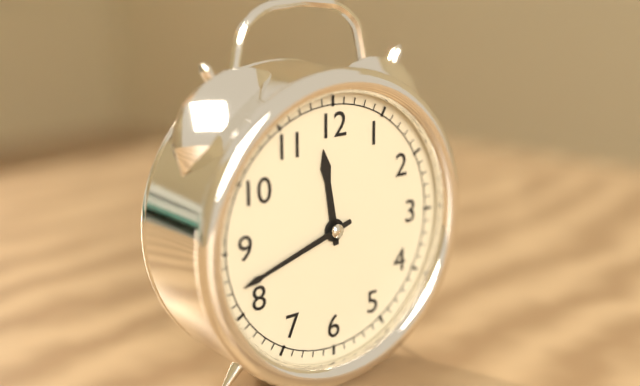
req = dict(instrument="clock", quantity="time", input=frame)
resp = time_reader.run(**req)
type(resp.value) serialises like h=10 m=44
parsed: h=11 m=42
